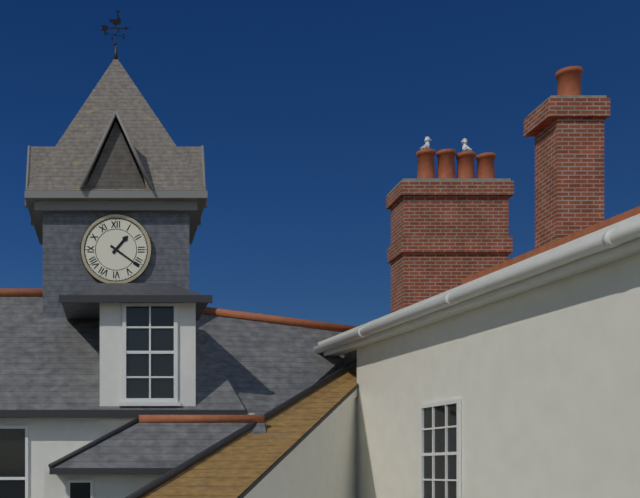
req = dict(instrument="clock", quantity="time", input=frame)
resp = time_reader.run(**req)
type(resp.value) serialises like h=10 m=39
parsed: h=1 m=21
